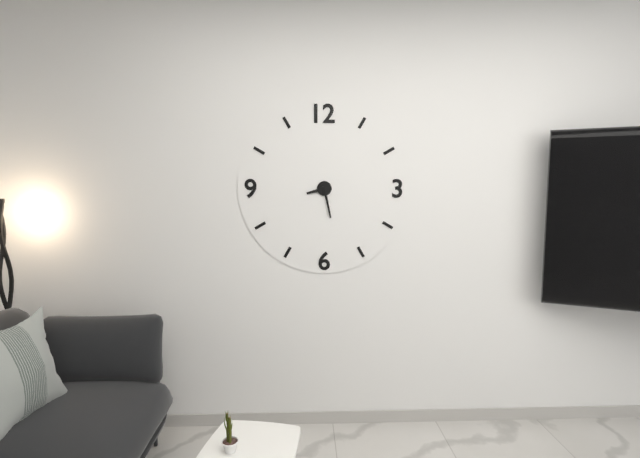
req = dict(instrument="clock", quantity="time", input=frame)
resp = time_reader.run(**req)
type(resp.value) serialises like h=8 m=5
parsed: h=8 m=28
